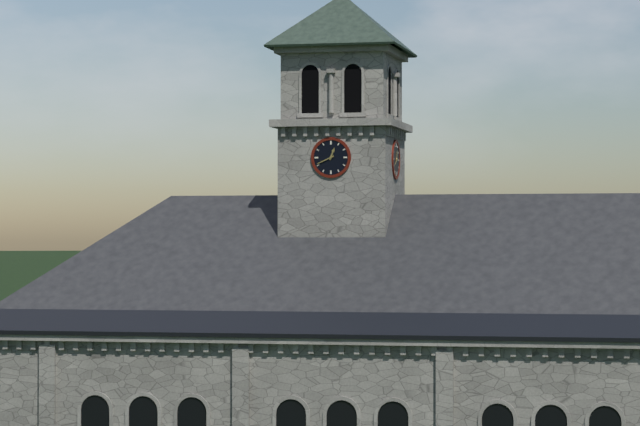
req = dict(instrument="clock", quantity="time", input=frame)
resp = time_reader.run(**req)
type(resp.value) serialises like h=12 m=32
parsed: h=12 m=41
